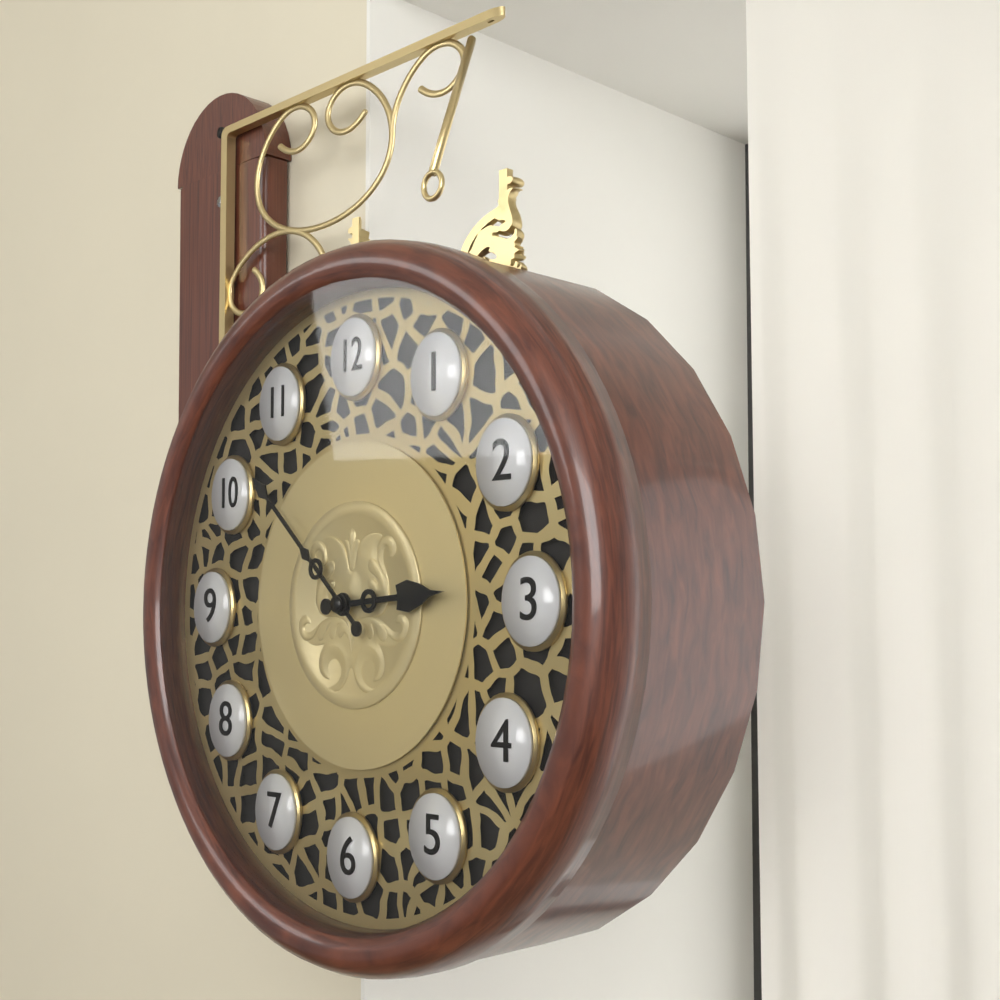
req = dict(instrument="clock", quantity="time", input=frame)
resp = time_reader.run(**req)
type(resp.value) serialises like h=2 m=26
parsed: h=2 m=52
